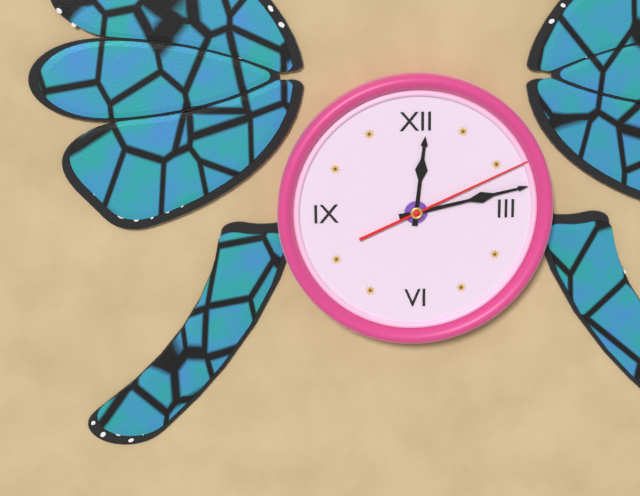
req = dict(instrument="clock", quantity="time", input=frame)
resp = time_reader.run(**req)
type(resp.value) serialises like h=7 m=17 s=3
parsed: h=12 m=13 s=11
